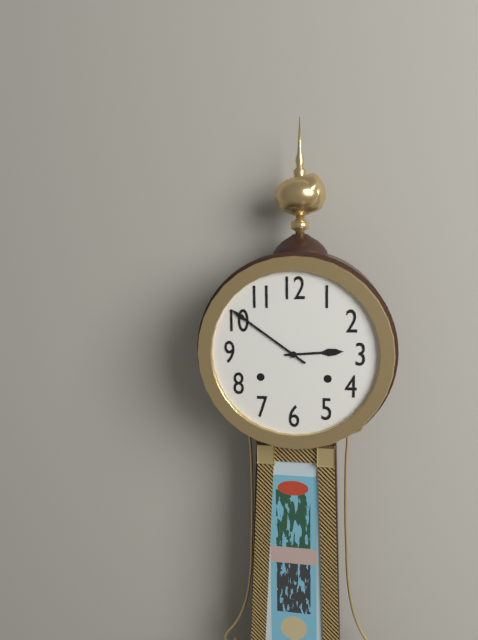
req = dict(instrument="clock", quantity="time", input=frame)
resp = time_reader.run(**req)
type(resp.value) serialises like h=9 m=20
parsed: h=2 m=51
